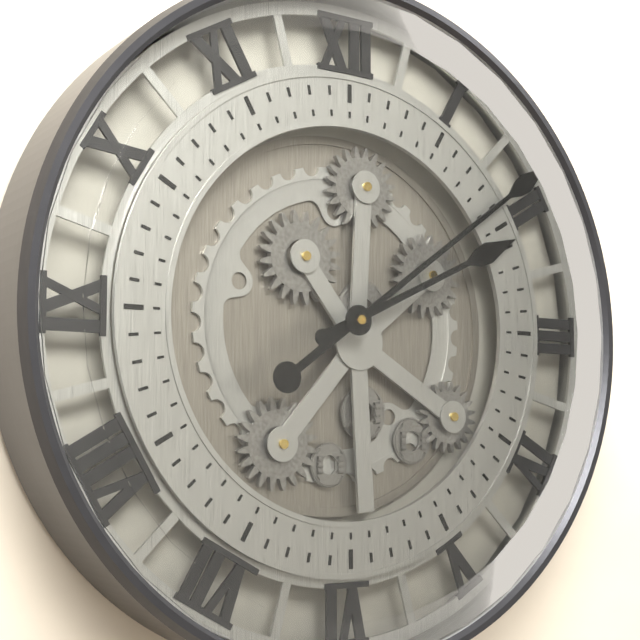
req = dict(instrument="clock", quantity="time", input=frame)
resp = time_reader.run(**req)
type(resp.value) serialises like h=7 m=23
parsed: h=2 m=9
